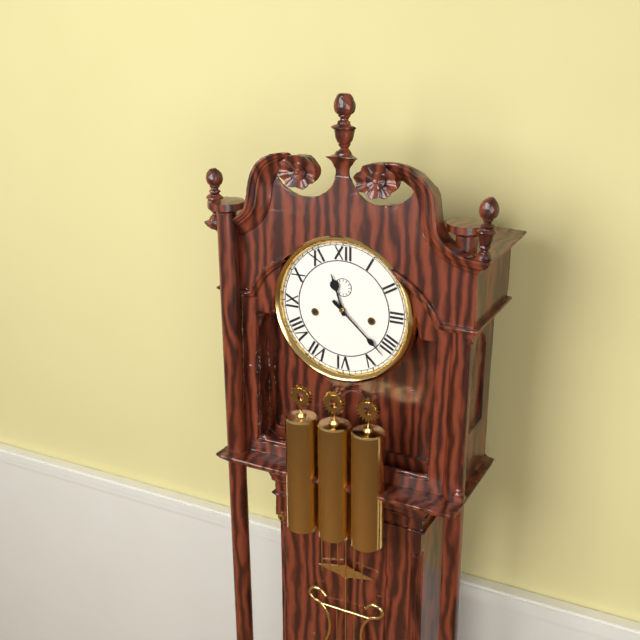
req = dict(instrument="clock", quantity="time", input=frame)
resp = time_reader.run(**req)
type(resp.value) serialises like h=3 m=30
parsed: h=11 m=22
